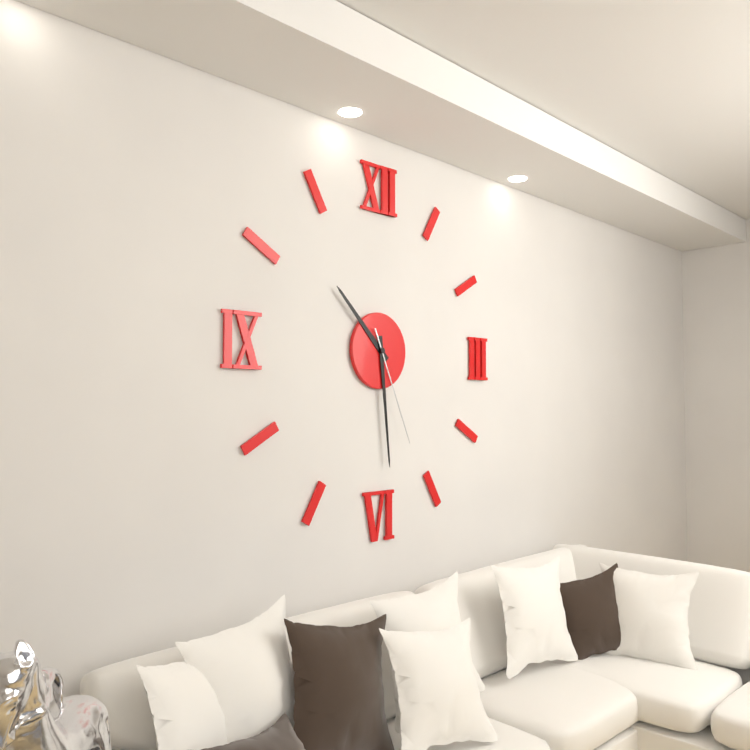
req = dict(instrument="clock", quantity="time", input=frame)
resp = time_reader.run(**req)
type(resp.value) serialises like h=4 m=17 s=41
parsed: h=10 m=29 s=26
